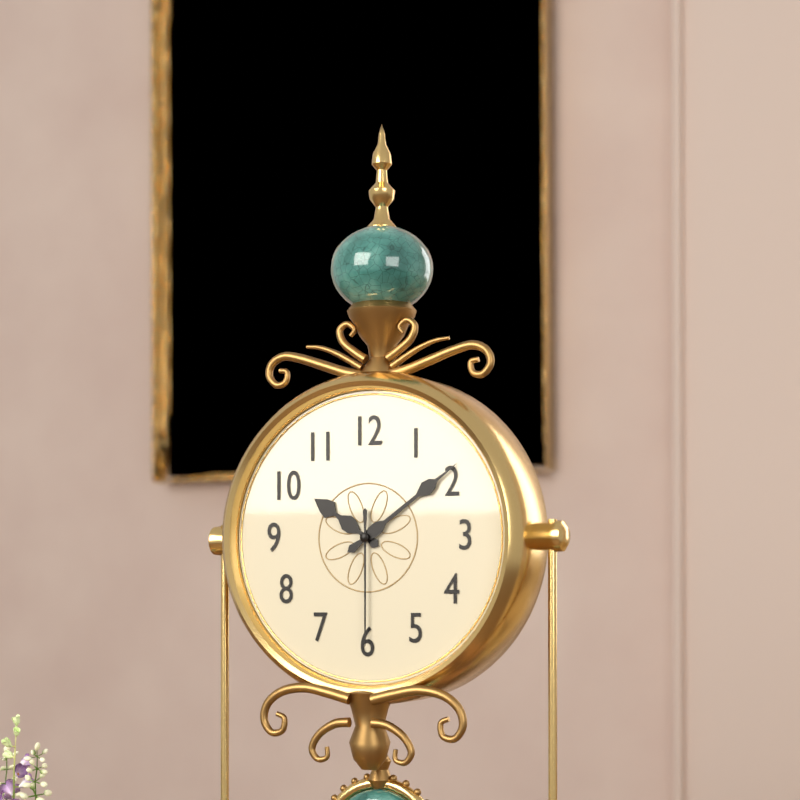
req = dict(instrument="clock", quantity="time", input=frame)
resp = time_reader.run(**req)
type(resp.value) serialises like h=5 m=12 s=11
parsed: h=10 m=9 s=30
